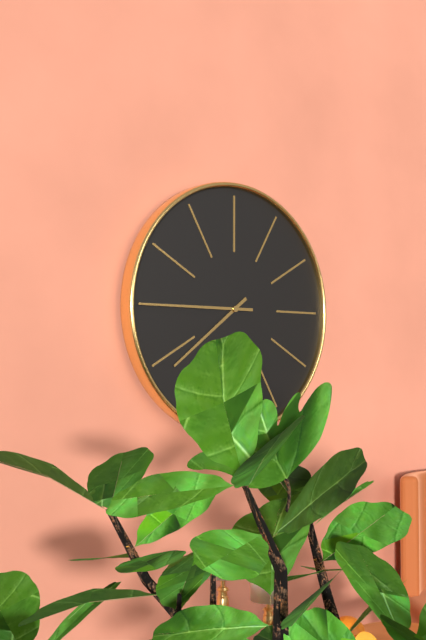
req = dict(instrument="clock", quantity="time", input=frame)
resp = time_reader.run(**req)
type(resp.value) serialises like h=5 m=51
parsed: h=7 m=45
